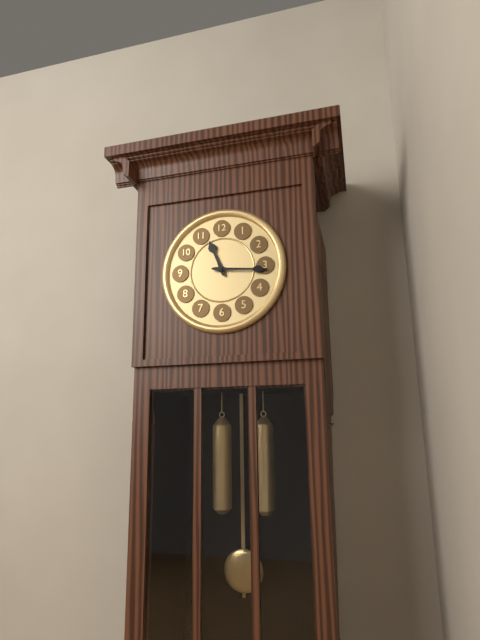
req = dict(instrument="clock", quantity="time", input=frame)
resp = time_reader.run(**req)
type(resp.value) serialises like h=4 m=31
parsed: h=11 m=16
